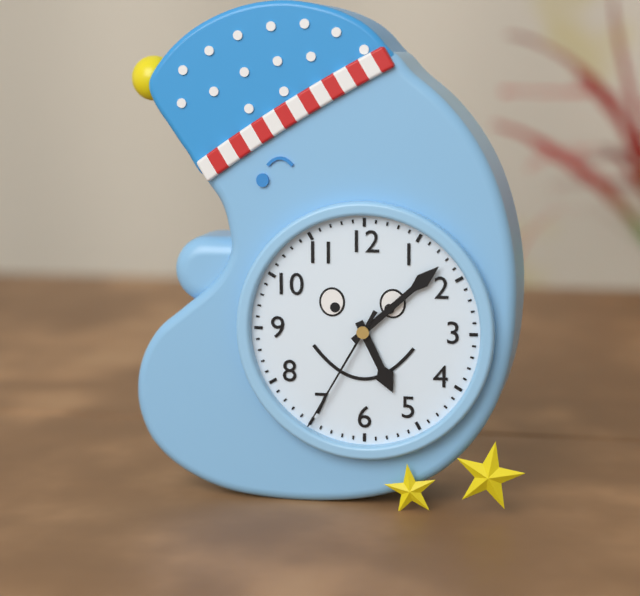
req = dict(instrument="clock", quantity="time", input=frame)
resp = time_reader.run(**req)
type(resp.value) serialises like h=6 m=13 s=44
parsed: h=5 m=8 s=35
